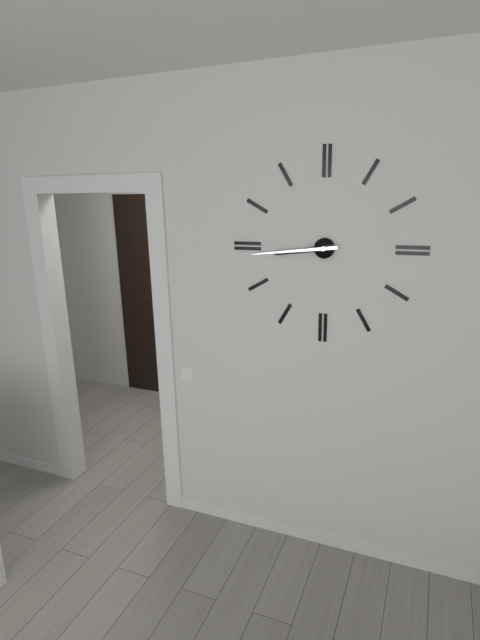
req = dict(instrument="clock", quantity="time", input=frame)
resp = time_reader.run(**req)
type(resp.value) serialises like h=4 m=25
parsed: h=8 m=44
